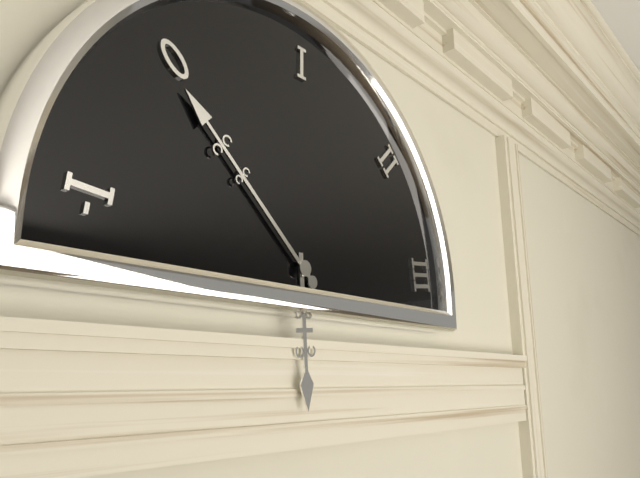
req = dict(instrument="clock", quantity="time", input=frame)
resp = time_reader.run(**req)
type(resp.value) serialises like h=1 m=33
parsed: h=5 m=52
